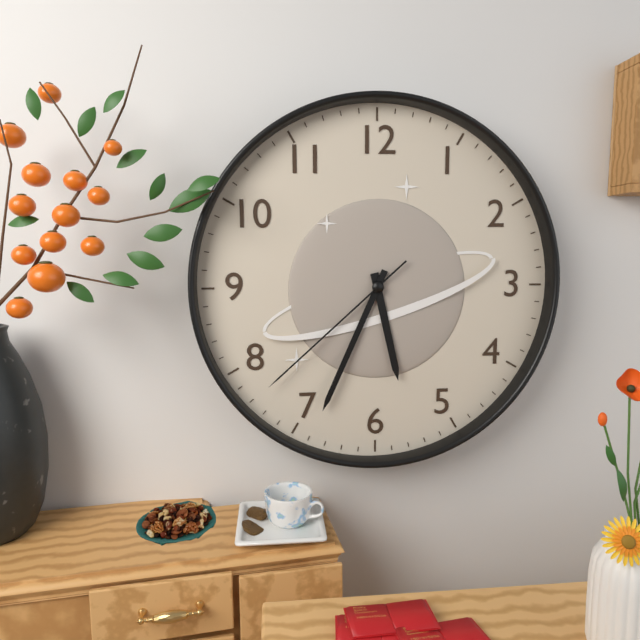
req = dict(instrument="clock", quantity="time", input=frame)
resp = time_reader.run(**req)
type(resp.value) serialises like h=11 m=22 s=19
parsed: h=5 m=34 s=38
